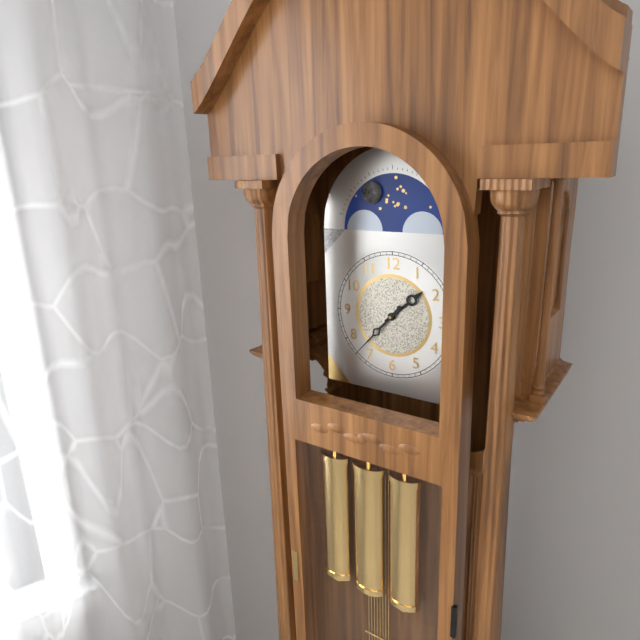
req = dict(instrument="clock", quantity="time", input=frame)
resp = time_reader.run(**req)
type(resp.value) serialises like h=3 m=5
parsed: h=1 m=37
